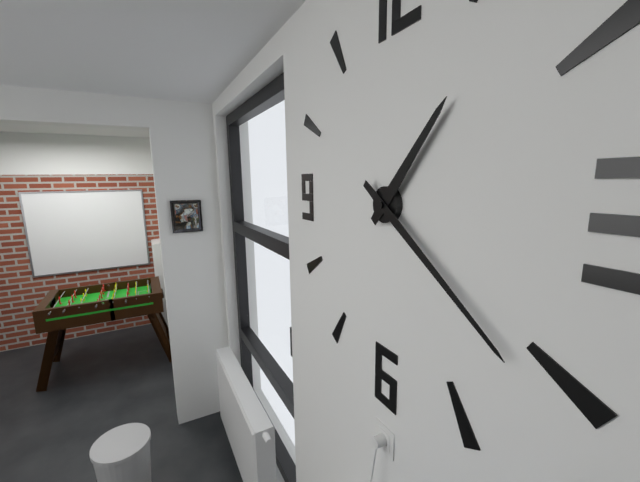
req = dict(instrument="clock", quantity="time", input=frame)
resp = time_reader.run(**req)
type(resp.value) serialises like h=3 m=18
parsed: h=1 m=21
